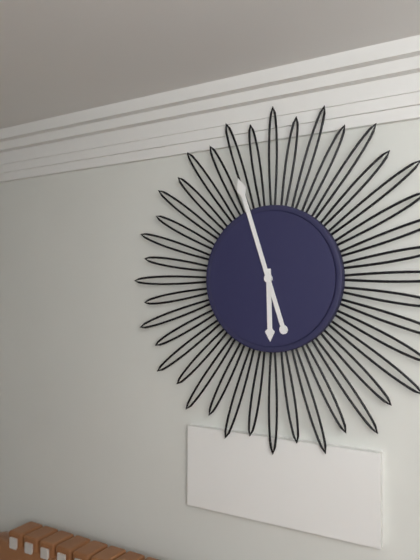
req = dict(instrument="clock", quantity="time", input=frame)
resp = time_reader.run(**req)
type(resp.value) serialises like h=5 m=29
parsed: h=5 m=57
